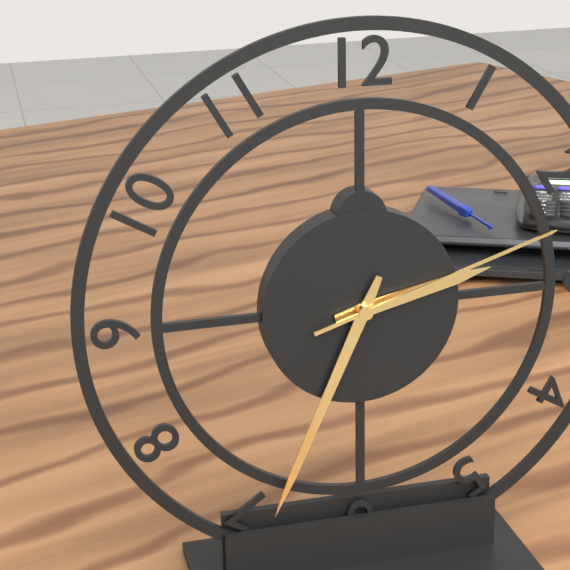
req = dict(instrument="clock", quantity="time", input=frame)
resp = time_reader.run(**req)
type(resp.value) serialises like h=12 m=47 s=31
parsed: h=2 m=34 s=12
